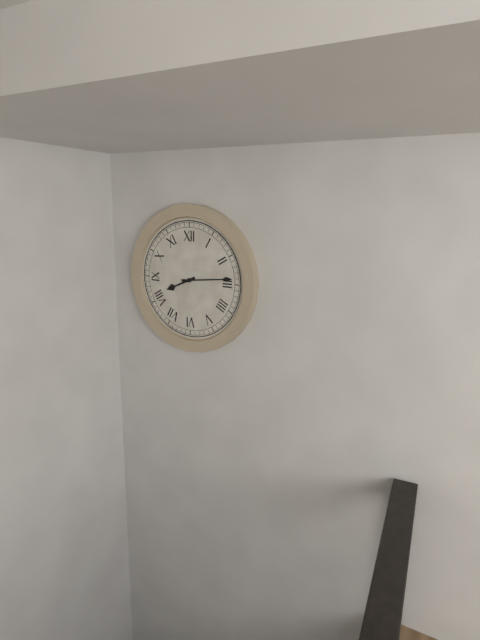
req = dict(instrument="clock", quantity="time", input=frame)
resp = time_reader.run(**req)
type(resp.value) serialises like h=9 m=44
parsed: h=8 m=14
